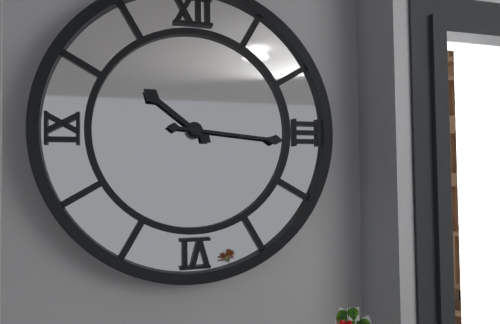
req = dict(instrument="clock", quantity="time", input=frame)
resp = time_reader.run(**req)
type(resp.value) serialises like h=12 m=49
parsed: h=10 m=16
